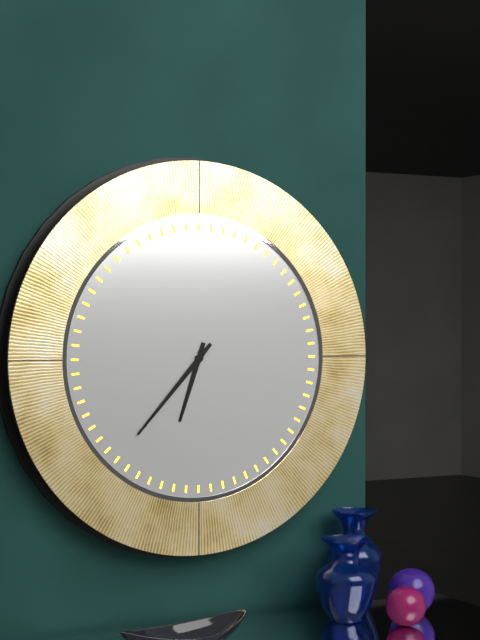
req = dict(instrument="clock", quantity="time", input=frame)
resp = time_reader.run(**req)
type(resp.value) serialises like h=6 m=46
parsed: h=6 m=37
